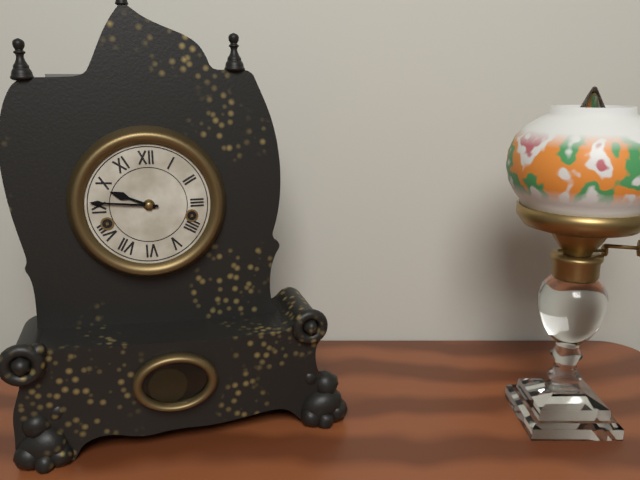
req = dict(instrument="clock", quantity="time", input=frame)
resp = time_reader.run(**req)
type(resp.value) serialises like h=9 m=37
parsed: h=9 m=46
